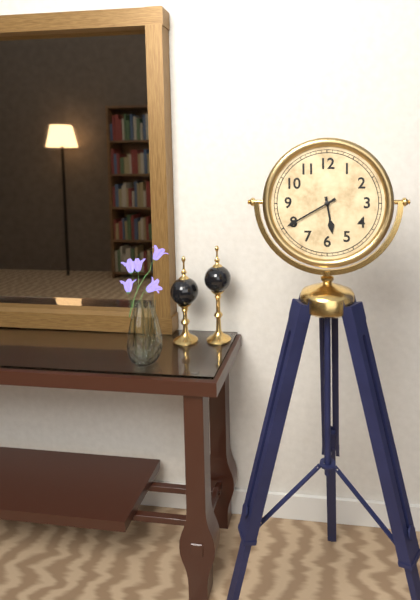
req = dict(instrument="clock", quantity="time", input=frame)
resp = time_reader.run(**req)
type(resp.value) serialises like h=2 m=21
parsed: h=5 m=40
